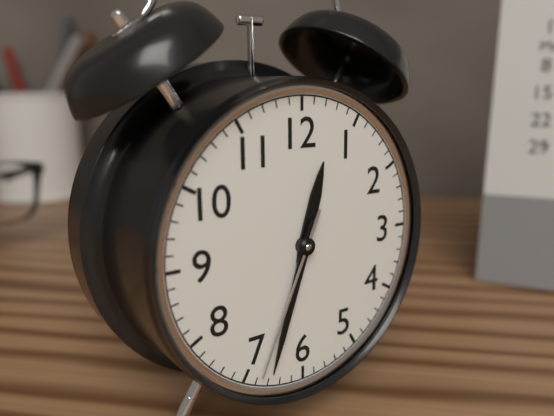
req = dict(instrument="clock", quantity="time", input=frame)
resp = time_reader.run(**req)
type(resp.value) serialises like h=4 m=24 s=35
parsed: h=12 m=33 s=34
